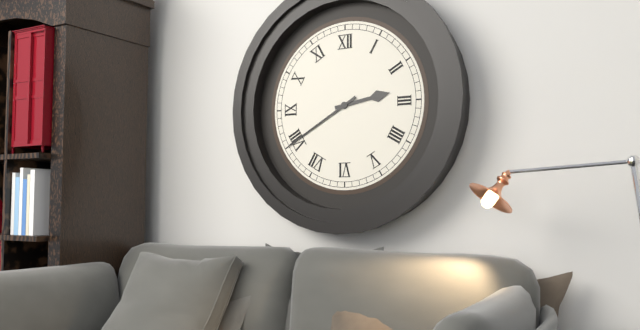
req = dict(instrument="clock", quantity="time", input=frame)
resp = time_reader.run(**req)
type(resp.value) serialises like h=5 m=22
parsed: h=2 m=40
